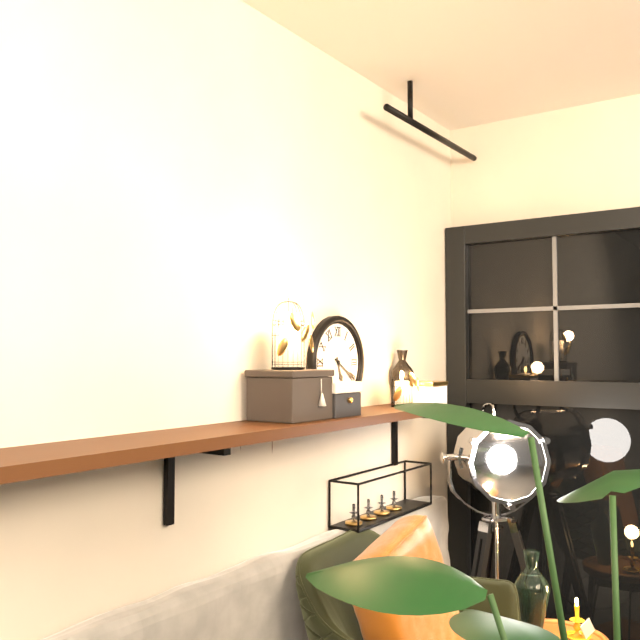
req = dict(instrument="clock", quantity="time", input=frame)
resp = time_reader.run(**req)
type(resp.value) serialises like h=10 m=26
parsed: h=5 m=20
